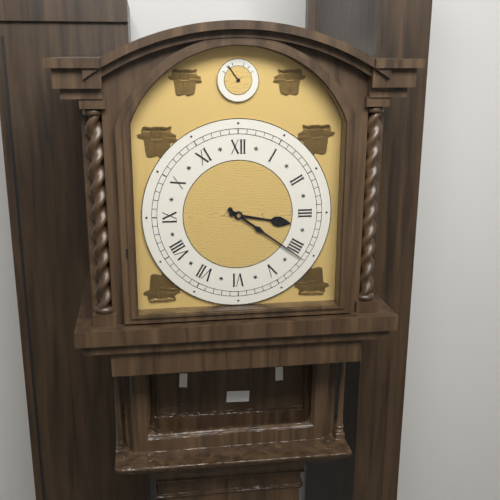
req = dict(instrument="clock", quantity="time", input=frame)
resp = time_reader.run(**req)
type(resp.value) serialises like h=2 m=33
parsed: h=3 m=21
